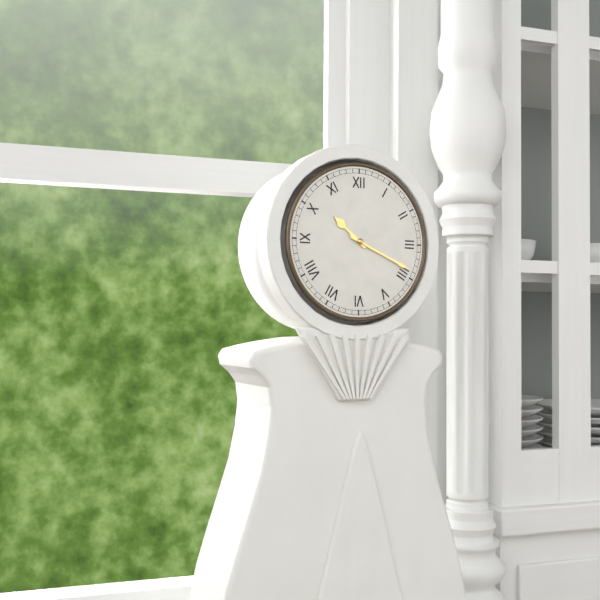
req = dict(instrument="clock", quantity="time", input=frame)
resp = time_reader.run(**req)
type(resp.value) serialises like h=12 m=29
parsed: h=10 m=19
